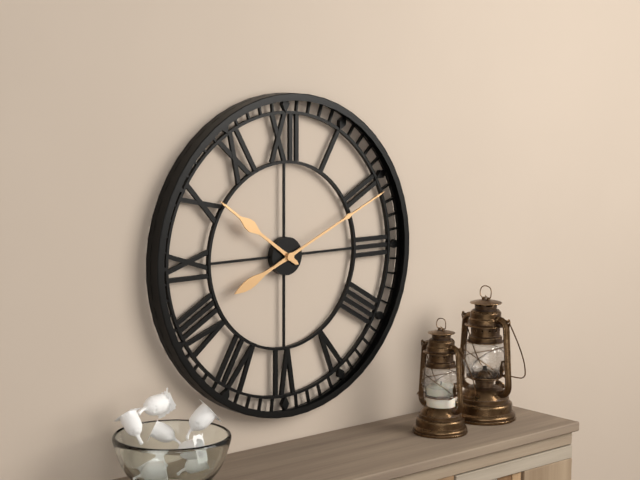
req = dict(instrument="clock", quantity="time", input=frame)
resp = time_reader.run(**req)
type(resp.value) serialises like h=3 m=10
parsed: h=10 m=11
